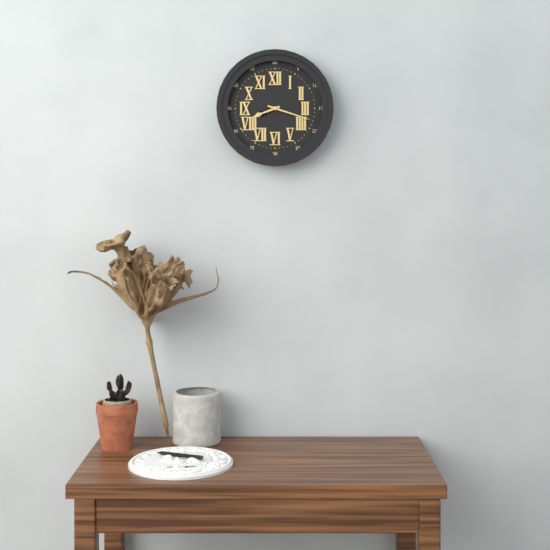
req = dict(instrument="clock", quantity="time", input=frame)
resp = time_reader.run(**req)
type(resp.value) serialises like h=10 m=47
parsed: h=8 m=18
